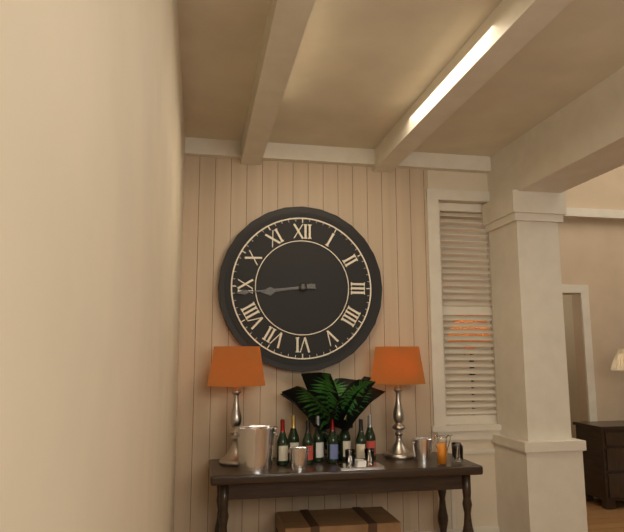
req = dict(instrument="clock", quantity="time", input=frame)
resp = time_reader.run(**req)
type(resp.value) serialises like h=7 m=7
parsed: h=8 m=44
